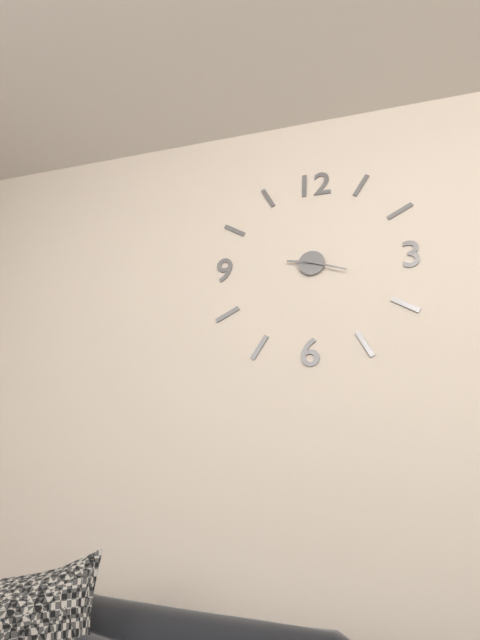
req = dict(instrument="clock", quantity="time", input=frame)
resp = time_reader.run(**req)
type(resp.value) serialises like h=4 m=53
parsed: h=9 m=18
